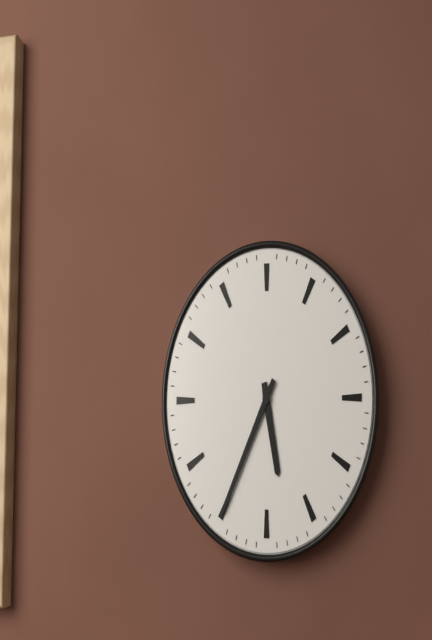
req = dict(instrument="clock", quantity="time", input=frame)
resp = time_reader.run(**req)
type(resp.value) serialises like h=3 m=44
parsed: h=5 m=35
